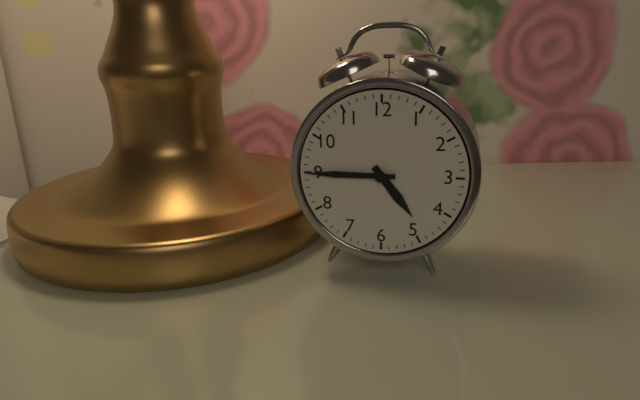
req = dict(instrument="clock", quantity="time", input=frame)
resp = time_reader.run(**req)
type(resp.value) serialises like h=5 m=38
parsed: h=4 m=45
